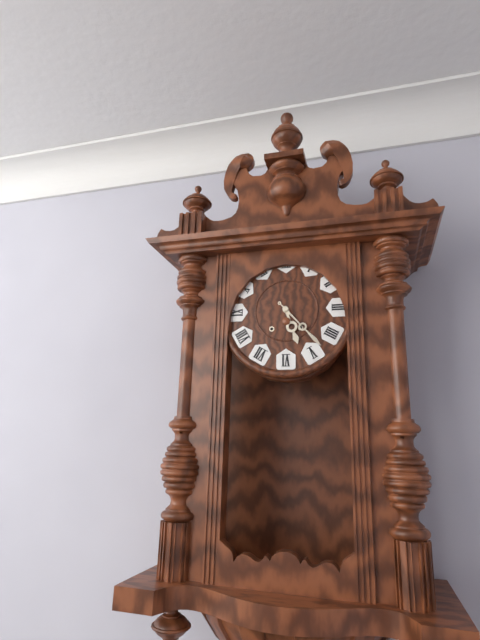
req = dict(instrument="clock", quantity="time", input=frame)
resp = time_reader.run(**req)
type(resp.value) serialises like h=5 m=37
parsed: h=5 m=23
